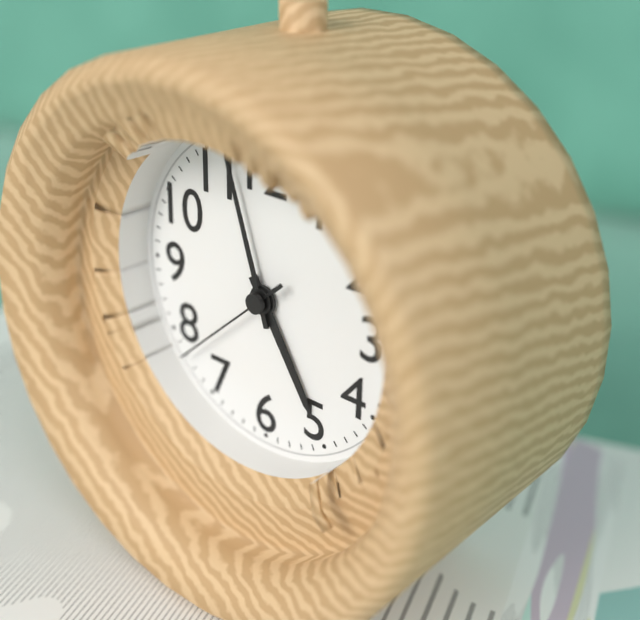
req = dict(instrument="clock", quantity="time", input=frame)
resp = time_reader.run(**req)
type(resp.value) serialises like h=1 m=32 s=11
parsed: h=4 m=57 s=38
